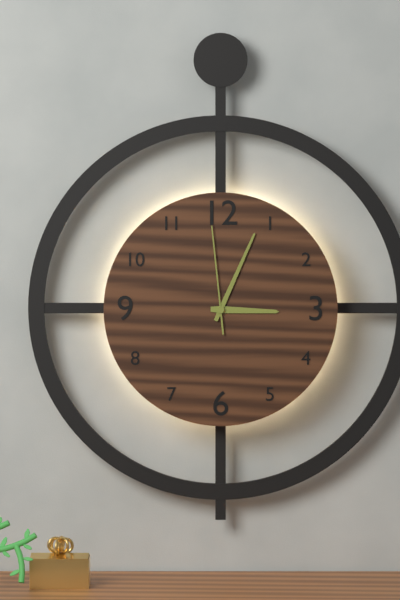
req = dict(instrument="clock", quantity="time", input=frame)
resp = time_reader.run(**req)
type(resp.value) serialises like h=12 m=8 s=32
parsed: h=3 m=4 s=59
